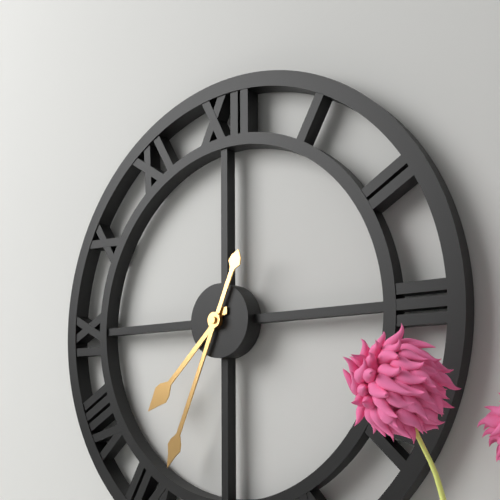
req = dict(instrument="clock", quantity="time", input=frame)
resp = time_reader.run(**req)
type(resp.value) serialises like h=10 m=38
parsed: h=7 m=34
